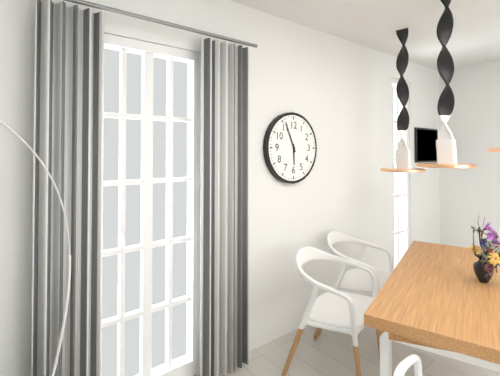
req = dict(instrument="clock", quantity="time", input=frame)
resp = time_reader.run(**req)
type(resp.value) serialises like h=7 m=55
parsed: h=5 m=56
